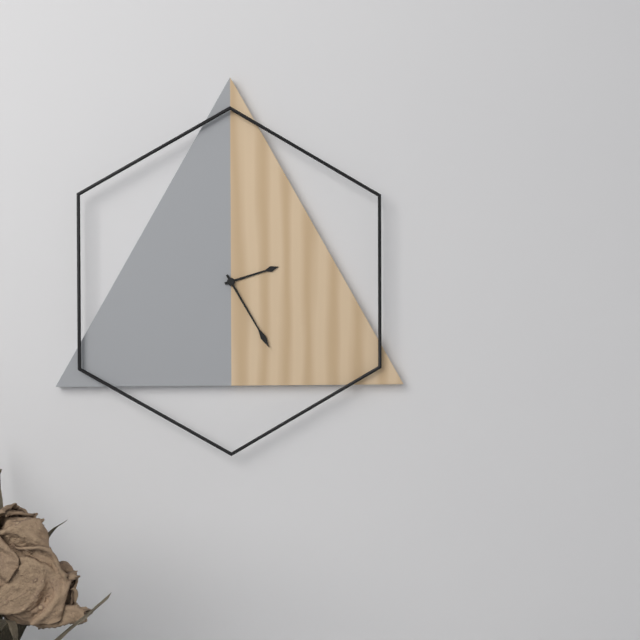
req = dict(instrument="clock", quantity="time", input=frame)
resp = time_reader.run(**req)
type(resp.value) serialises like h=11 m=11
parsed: h=2 m=25
